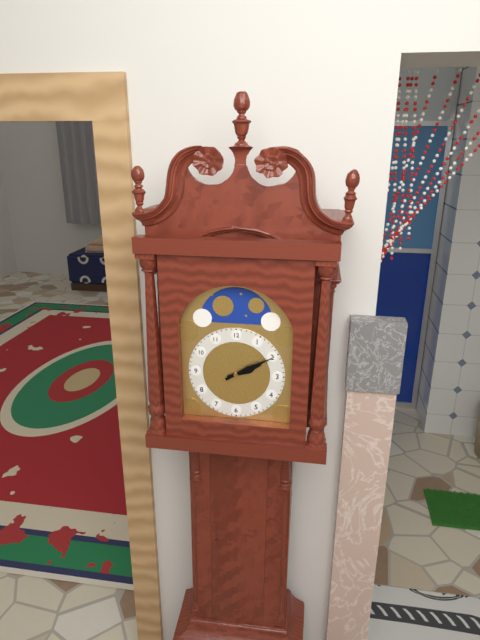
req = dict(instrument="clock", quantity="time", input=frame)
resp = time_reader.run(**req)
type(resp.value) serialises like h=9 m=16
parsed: h=2 m=10
